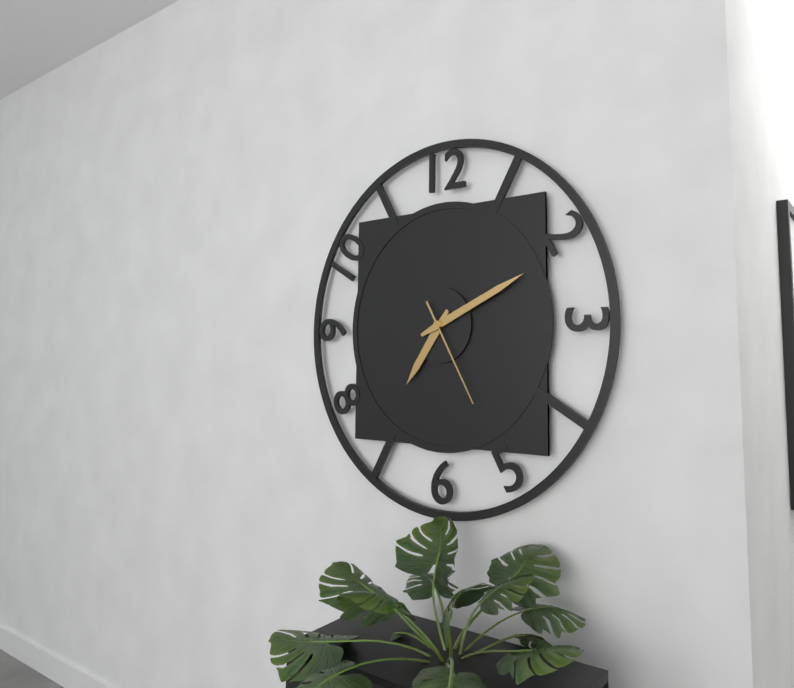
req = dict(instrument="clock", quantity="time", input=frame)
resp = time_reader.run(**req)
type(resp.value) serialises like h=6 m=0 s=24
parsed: h=7 m=11 s=25
